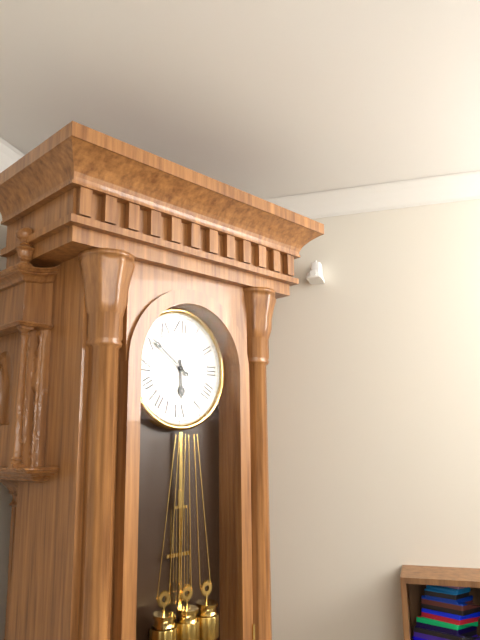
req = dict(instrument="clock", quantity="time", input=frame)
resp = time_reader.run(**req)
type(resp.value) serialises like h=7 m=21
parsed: h=5 m=51
